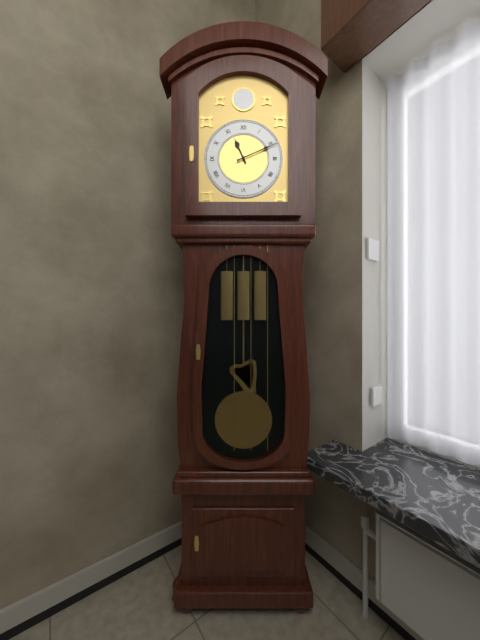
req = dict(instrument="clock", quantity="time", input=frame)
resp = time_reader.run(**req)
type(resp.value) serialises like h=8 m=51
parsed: h=11 m=11
